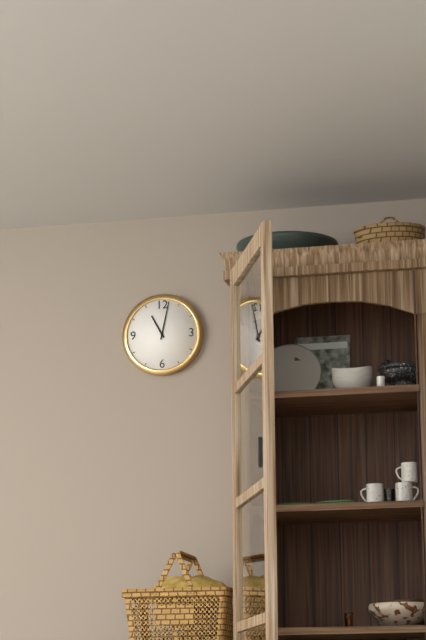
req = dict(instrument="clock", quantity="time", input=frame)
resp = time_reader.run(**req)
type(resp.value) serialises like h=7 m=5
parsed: h=11 m=2
